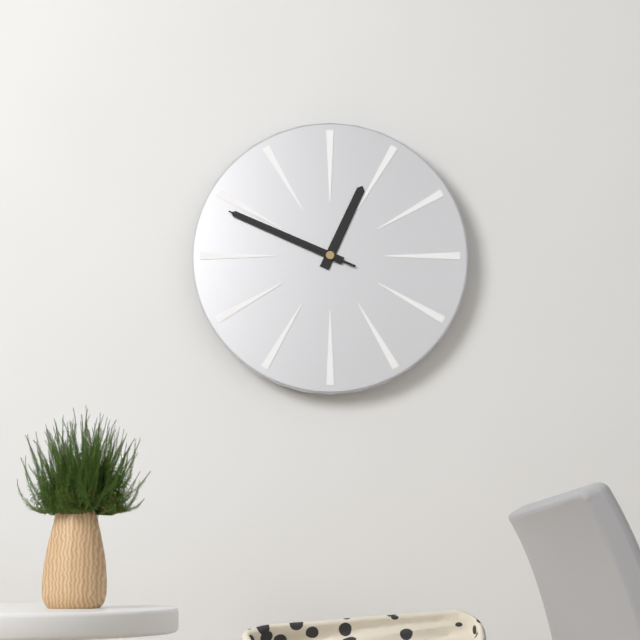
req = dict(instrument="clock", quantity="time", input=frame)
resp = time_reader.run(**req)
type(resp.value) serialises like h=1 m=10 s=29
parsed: h=12 m=49 s=49
